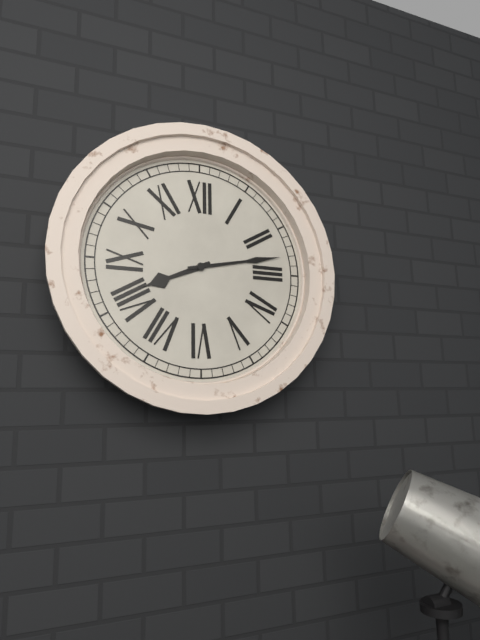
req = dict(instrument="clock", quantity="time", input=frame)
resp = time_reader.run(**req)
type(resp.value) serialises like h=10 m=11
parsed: h=8 m=13
